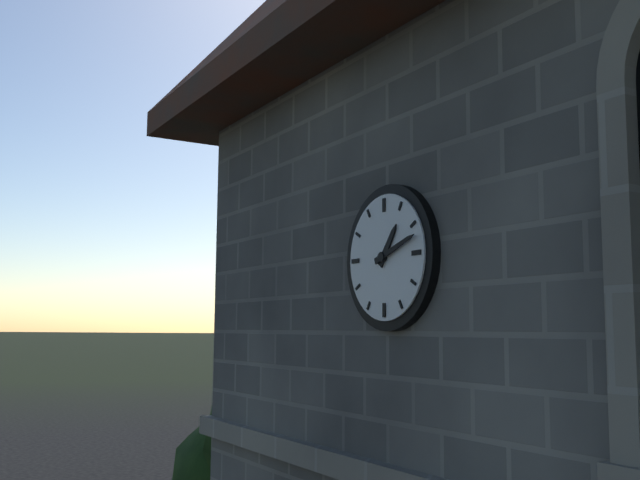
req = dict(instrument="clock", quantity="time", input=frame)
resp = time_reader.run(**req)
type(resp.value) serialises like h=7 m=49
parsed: h=1 m=12
